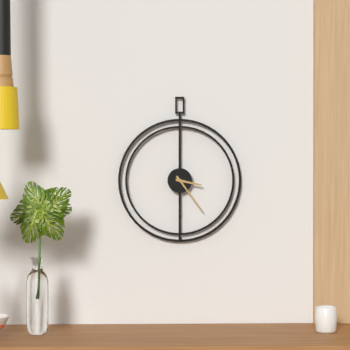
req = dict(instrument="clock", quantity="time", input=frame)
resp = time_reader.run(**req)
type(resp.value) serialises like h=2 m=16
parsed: h=3 m=24
